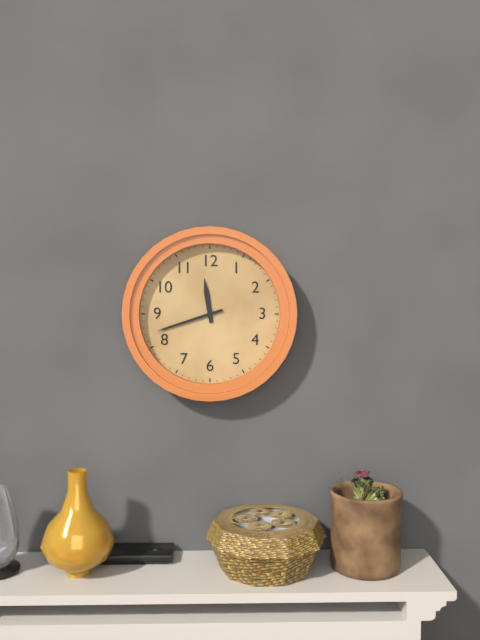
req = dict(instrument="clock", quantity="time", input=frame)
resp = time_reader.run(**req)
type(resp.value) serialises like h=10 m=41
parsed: h=11 m=42
